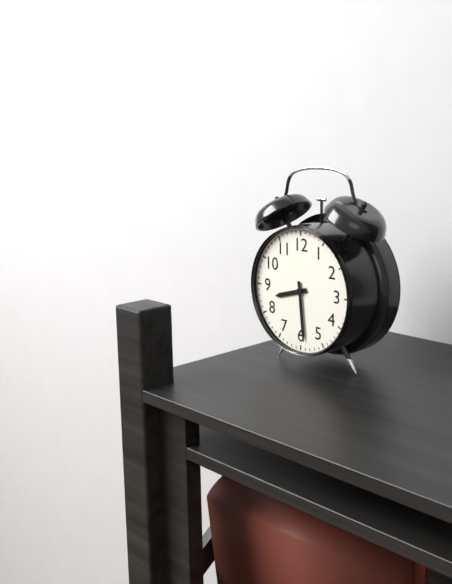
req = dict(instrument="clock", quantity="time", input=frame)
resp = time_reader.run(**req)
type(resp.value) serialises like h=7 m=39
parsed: h=8 m=29
